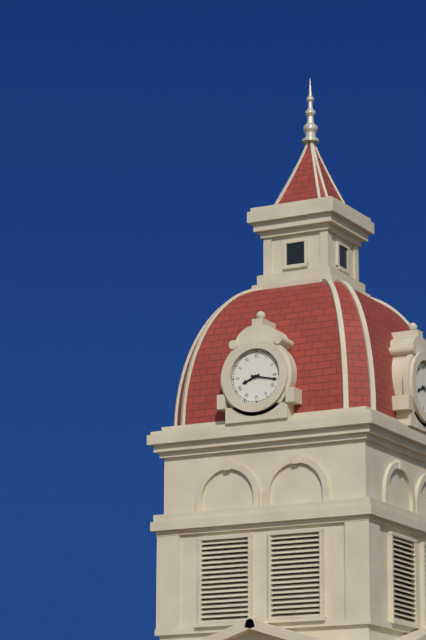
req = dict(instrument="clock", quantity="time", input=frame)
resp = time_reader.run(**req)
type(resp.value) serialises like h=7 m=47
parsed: h=8 m=17
